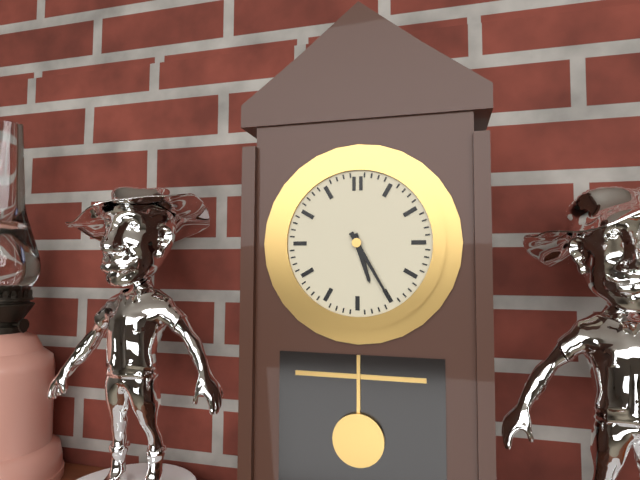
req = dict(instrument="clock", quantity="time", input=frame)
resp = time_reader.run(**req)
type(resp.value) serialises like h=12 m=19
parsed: h=5 m=25
